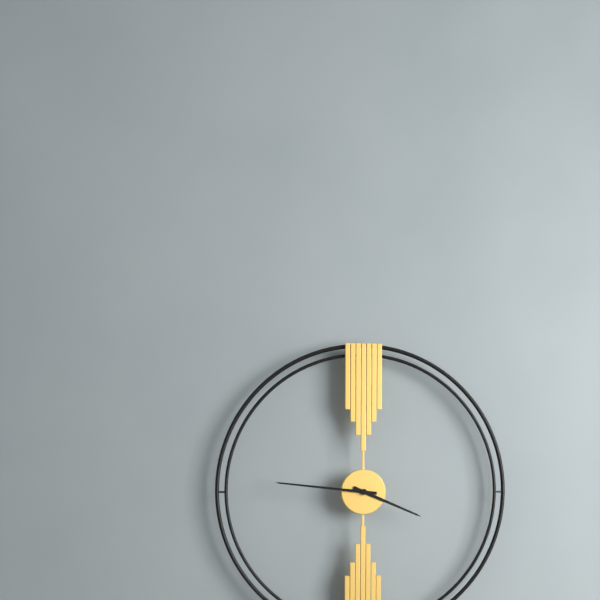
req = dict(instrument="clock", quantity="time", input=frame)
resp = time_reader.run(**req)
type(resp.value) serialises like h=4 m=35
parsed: h=3 m=46
